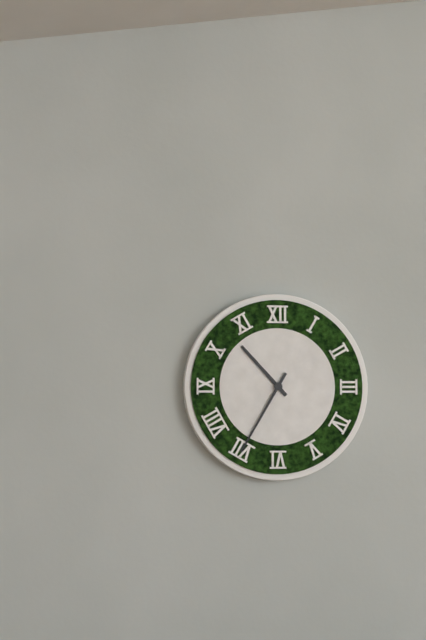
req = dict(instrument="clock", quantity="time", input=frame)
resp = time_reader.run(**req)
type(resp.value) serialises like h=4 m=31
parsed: h=10 m=35
